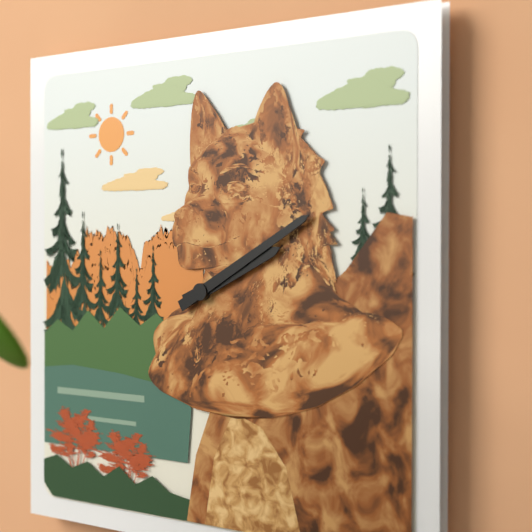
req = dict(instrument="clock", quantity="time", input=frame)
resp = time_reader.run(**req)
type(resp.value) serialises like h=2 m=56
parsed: h=2 m=10
